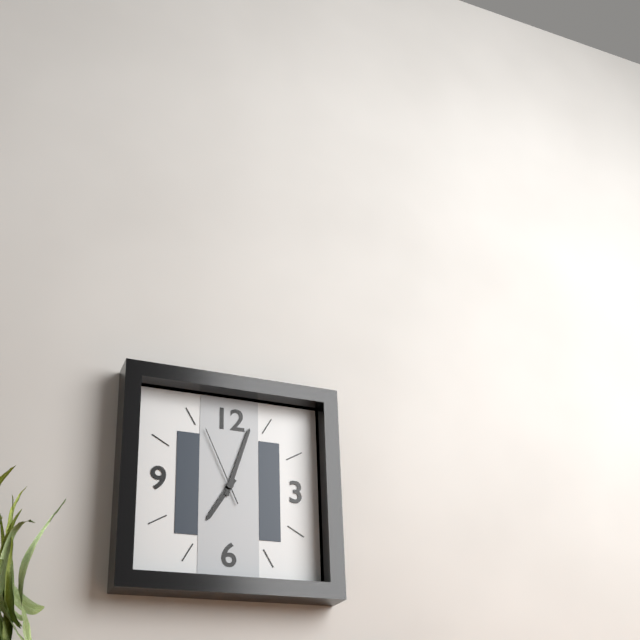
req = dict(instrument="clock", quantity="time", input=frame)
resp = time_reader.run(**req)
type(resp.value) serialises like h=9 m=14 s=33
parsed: h=7 m=3 s=56
